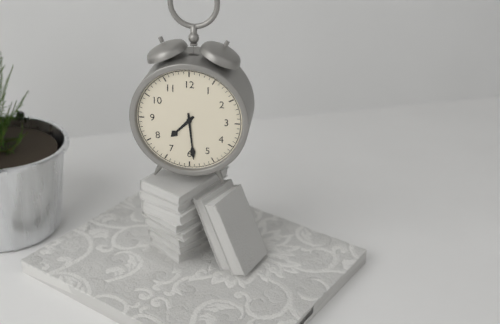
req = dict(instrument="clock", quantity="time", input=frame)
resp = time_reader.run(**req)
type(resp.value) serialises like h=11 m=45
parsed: h=7 m=29
